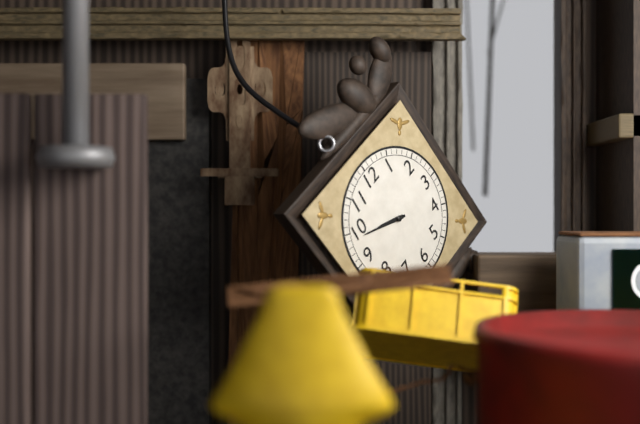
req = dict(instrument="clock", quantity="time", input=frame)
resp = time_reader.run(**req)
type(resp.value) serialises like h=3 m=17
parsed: h=9 m=49
